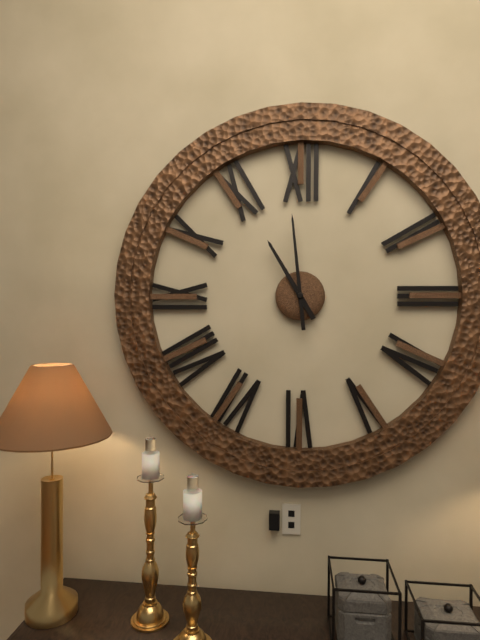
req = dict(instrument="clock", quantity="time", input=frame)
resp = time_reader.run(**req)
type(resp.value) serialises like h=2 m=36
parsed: h=10 m=59
